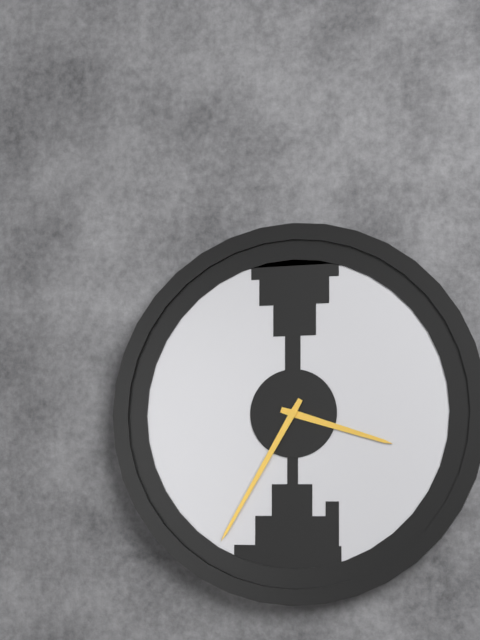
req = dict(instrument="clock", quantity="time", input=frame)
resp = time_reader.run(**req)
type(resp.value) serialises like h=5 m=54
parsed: h=3 m=35
